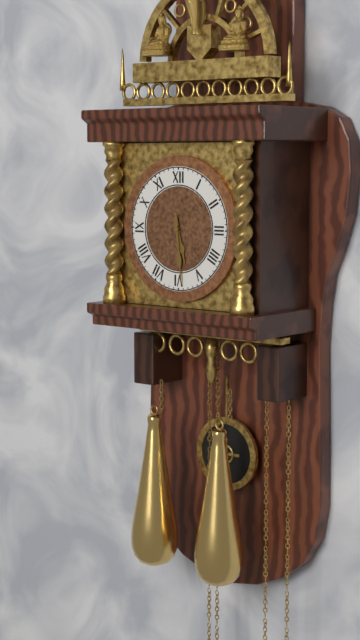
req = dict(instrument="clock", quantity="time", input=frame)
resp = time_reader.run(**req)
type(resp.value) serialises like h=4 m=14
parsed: h=5 m=29
